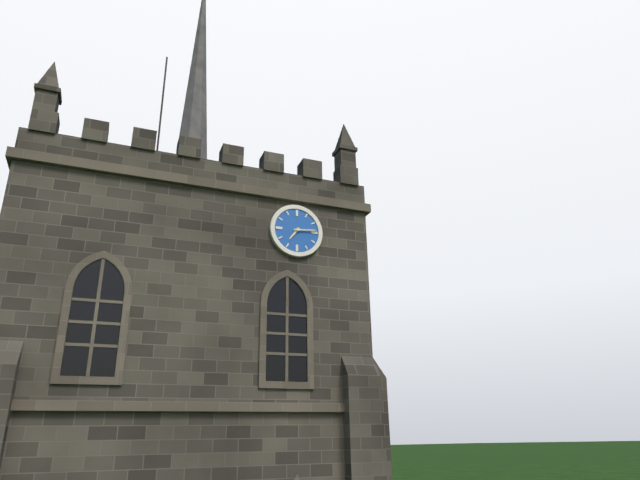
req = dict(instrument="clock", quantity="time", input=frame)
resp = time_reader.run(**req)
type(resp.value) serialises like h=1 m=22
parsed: h=7 m=14
